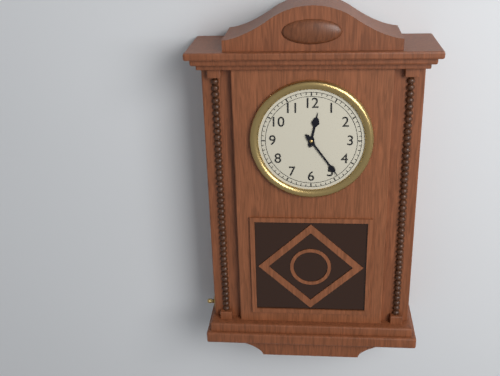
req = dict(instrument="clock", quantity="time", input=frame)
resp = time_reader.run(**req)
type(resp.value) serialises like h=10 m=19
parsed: h=12 m=24
